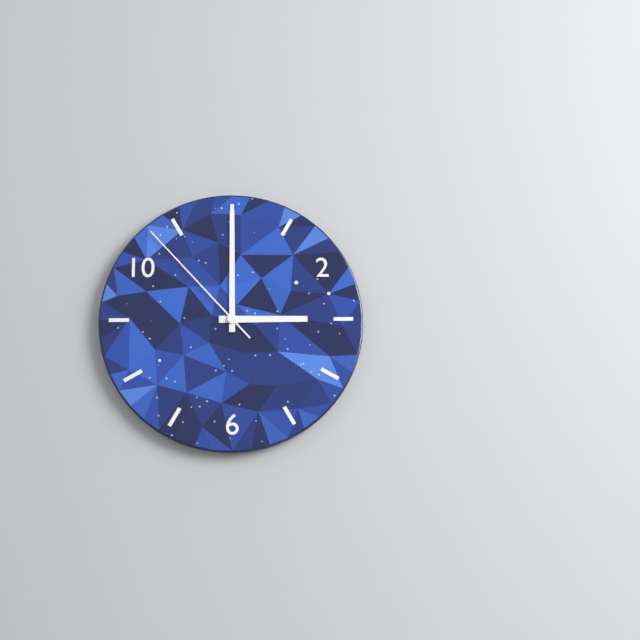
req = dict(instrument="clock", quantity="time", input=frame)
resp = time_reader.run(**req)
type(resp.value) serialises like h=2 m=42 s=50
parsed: h=3 m=0 s=53
